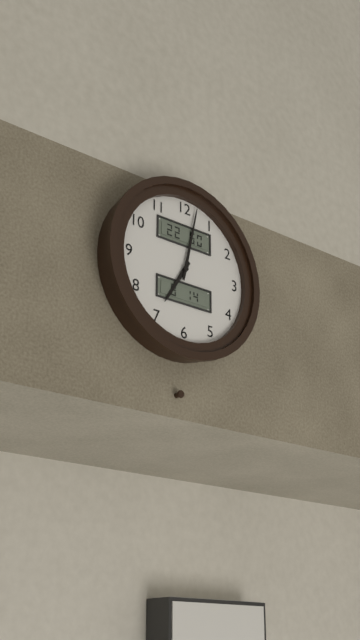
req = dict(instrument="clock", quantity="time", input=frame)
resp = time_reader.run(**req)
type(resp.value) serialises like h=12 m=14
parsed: h=7 m=2
